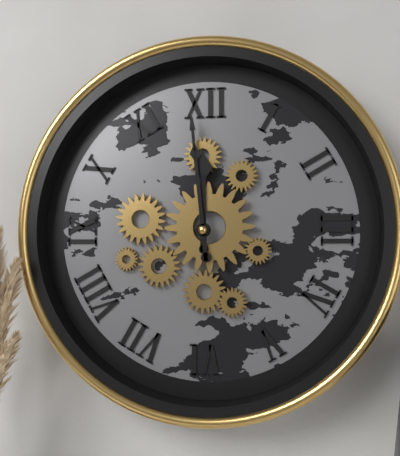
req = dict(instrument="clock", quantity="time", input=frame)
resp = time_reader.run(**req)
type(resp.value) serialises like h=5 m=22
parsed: h=11 m=59
